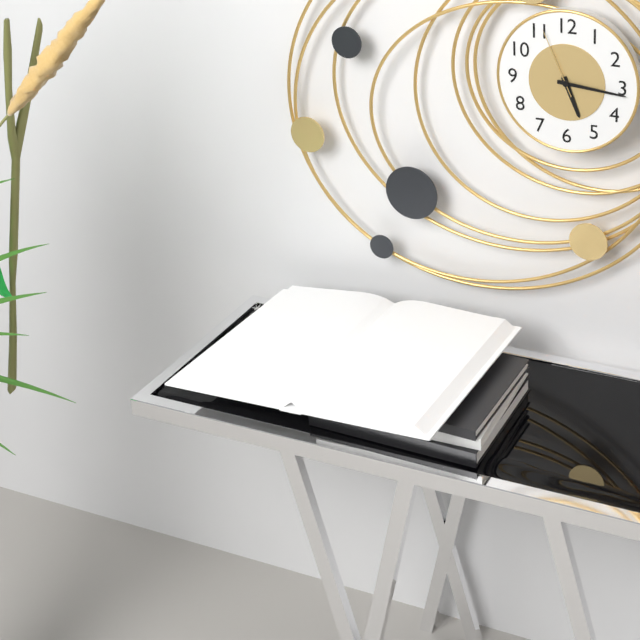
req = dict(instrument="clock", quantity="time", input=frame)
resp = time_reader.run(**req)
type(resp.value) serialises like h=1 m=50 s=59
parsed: h=5 m=16 s=56
